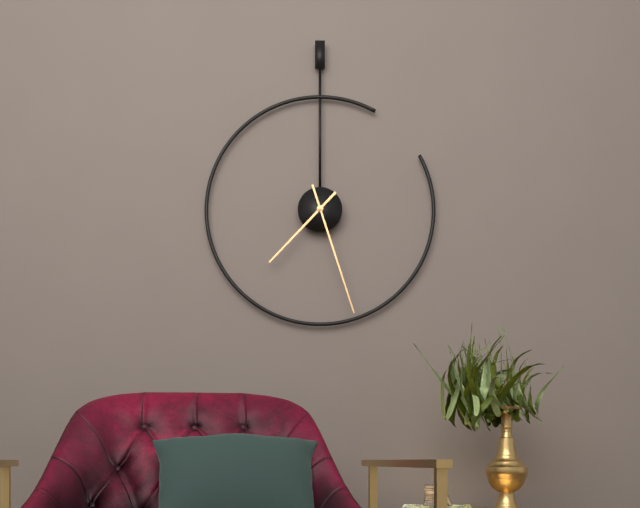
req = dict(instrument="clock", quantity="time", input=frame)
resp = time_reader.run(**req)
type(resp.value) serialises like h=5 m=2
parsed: h=7 m=27
